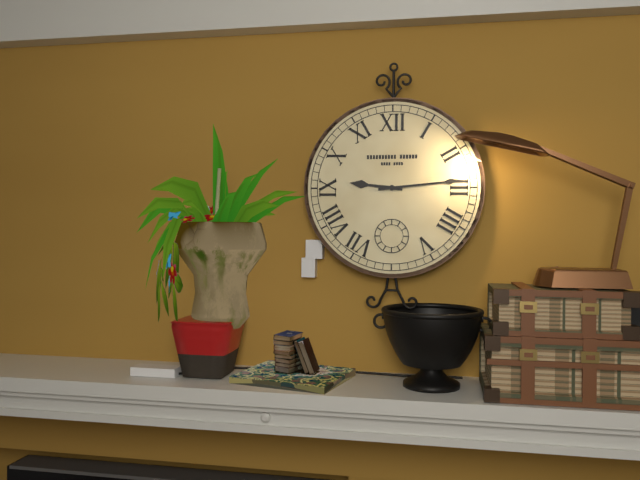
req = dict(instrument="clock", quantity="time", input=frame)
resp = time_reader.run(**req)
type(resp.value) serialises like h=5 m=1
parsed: h=9 m=14
